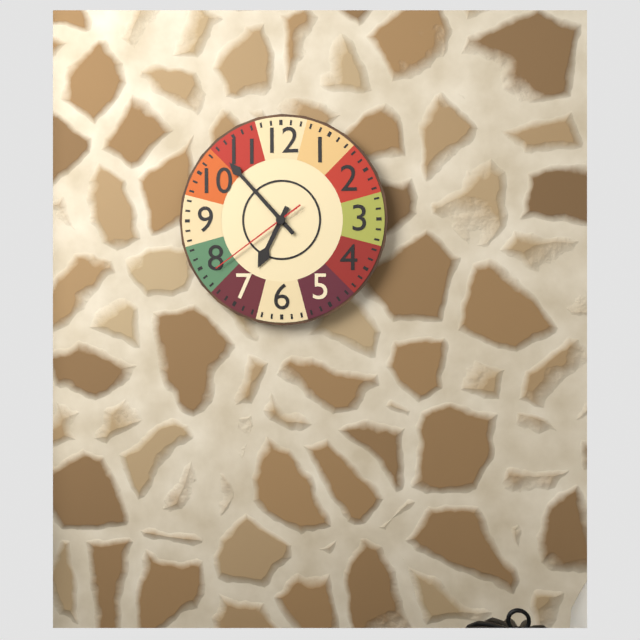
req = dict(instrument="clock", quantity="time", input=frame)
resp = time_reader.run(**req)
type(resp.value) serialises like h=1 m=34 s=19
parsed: h=6 m=53 s=39
